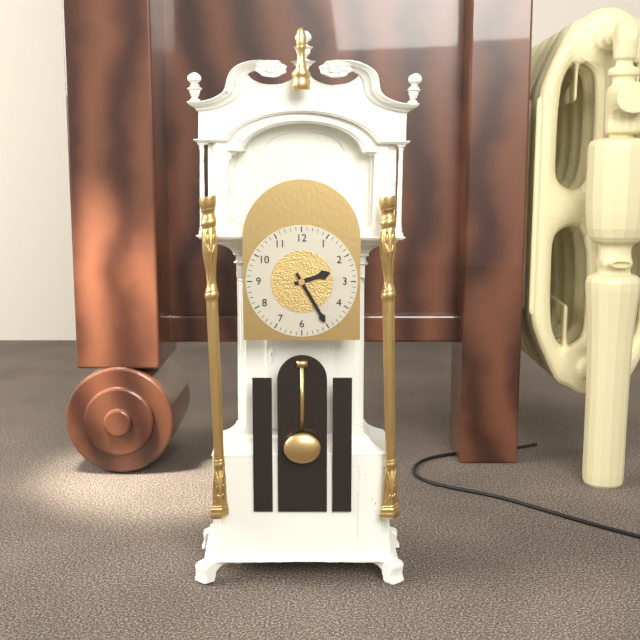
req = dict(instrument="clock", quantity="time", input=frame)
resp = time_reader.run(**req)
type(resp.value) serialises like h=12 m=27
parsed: h=2 m=25
